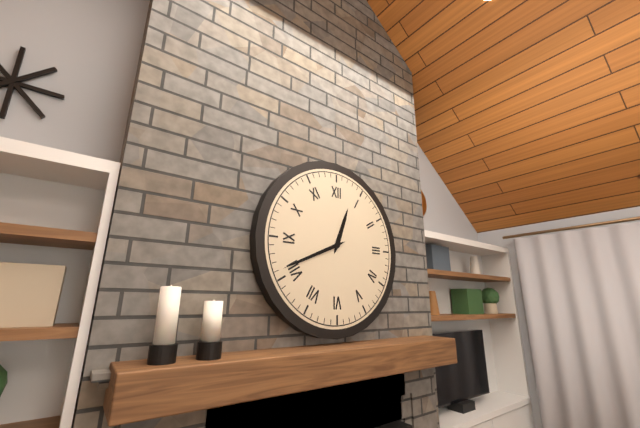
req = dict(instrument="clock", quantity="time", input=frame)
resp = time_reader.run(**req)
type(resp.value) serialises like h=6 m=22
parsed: h=12 m=41
